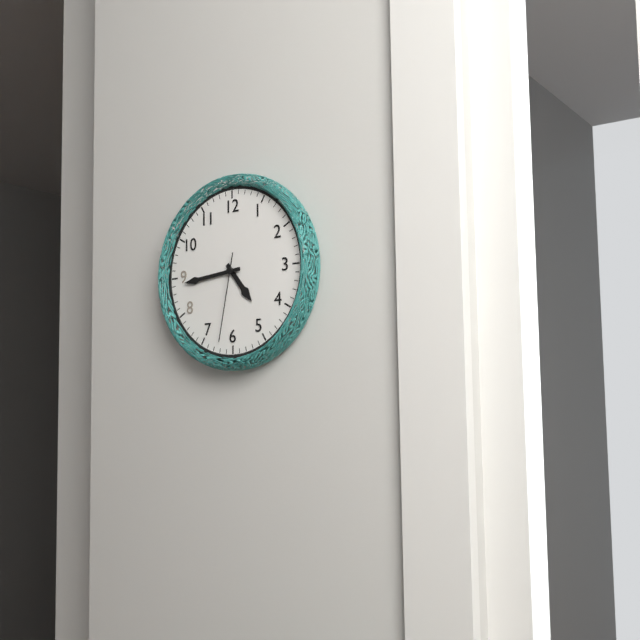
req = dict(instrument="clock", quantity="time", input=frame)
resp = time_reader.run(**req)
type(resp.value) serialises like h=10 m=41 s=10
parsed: h=4 m=44 s=32
